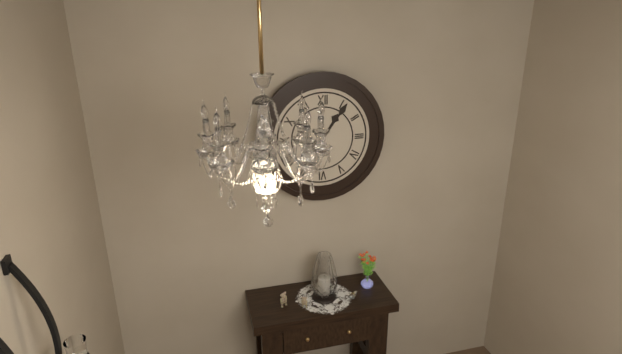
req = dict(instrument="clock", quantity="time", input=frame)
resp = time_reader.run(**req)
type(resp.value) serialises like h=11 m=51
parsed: h=1 m=6
